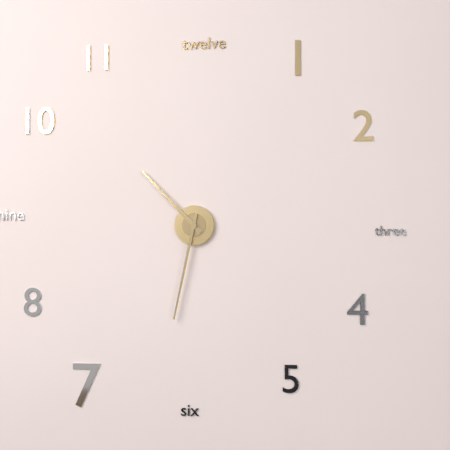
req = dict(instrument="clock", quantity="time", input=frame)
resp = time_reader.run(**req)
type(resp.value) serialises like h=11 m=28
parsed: h=10 m=32
